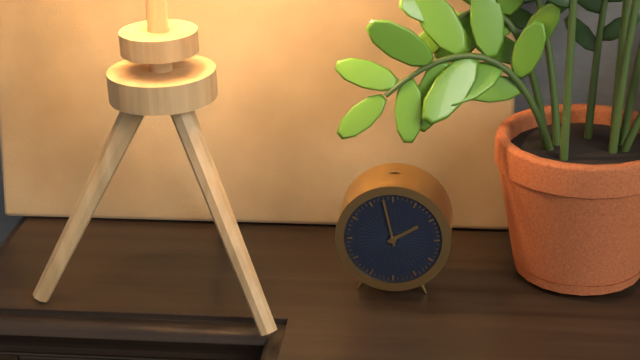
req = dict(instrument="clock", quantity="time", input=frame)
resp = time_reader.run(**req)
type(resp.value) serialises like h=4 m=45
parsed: h=1 m=58
